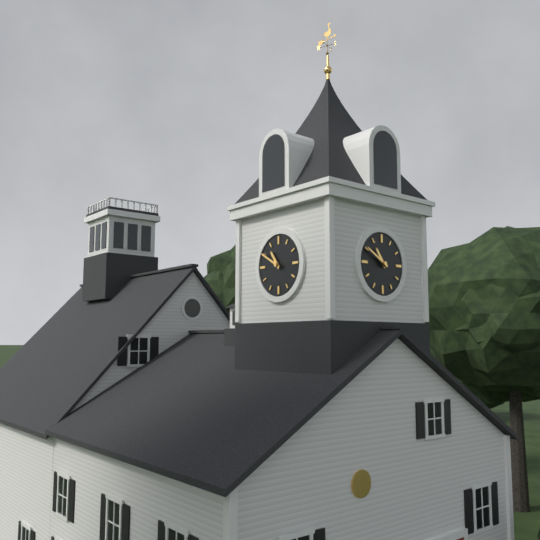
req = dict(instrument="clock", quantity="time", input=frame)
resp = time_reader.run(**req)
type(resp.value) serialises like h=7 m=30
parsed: h=10 m=50
